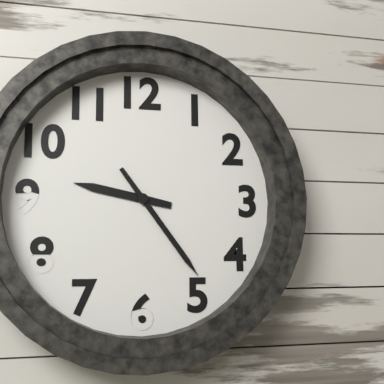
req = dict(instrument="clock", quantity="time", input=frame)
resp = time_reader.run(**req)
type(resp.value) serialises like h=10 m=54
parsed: h=9 m=24
